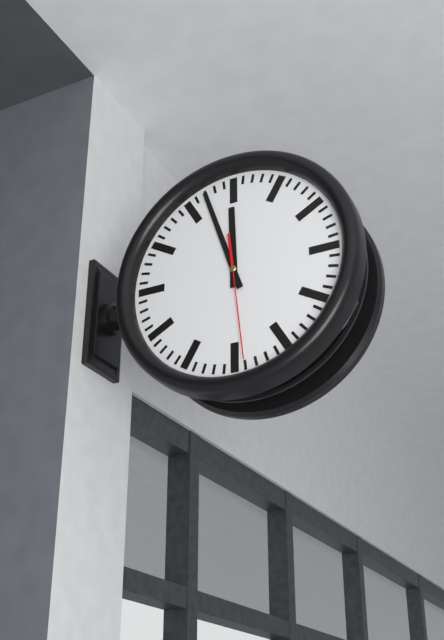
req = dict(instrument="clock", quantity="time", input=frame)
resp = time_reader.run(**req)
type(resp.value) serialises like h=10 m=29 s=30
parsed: h=11 m=57 s=29
